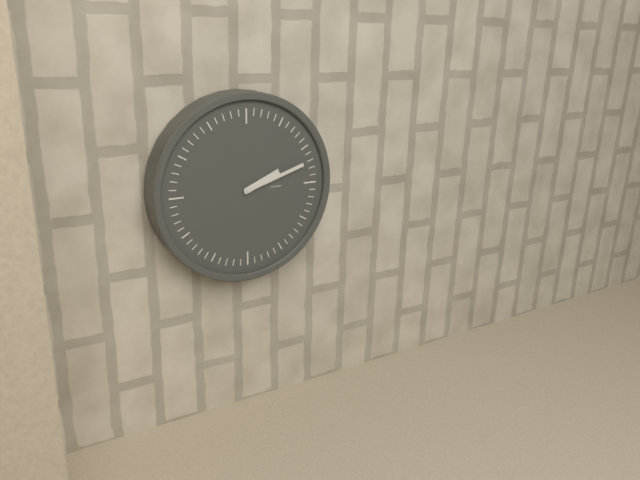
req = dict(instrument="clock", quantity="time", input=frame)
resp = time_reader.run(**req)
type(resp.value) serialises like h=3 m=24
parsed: h=2 m=12
